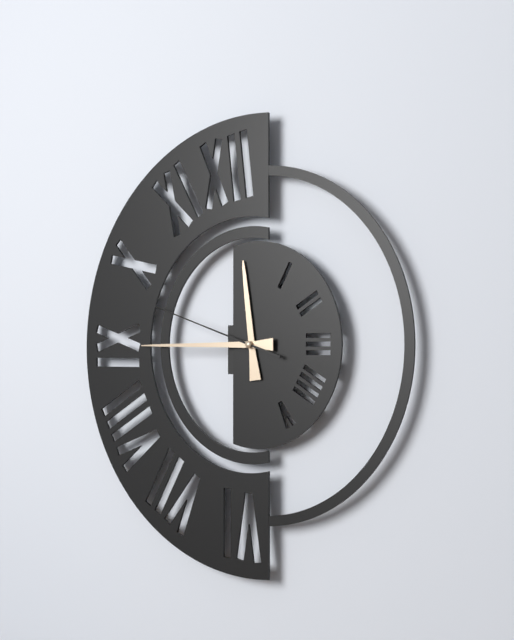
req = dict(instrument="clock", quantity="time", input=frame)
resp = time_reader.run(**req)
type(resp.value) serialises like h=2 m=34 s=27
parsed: h=11 m=45 s=48
